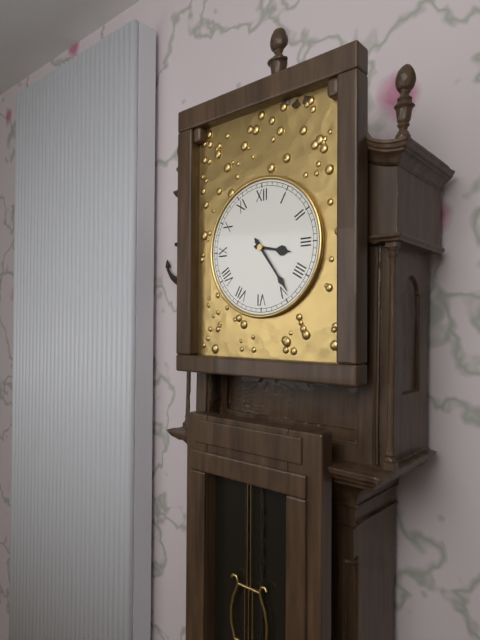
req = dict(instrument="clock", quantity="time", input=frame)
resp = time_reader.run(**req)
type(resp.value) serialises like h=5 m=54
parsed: h=3 m=24
